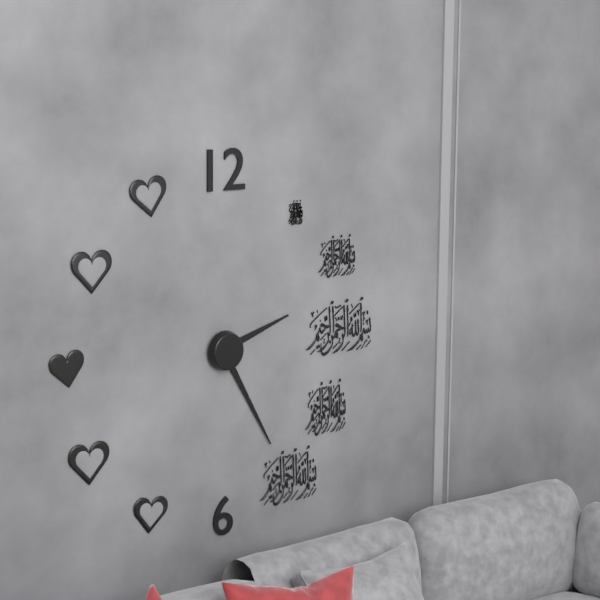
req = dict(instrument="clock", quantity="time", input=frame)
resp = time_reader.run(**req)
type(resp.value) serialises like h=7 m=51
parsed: h=2 m=25
